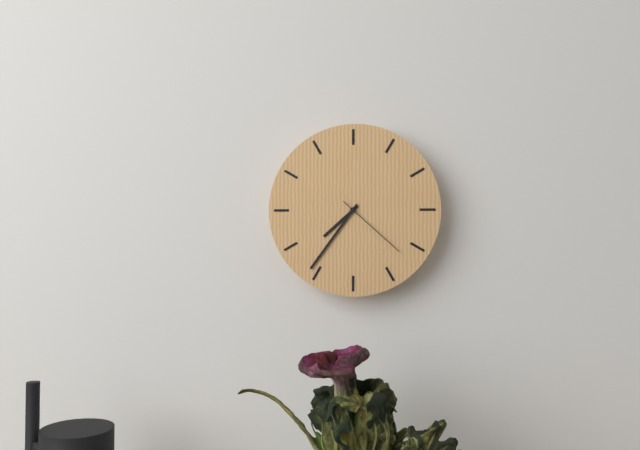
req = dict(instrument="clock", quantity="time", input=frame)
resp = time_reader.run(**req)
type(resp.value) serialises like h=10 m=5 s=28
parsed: h=7 m=36 s=22
